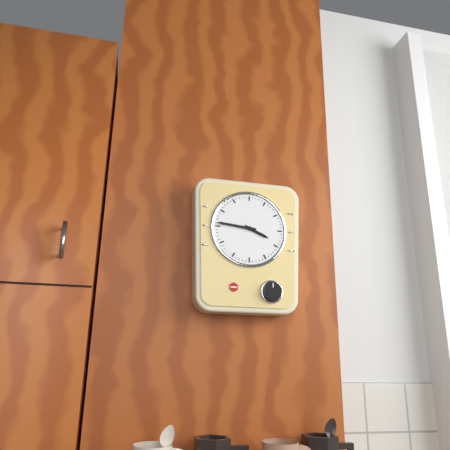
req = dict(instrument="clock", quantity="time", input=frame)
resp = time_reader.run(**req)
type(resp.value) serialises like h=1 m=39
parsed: h=3 m=46
